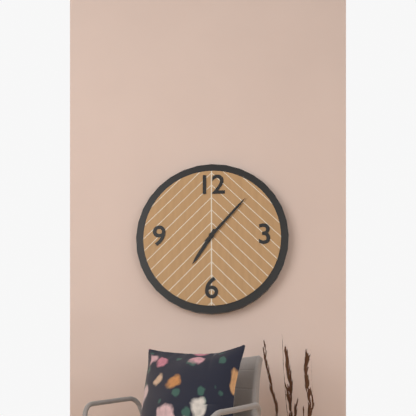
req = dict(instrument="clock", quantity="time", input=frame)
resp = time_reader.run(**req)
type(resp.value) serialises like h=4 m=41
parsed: h=7 m=7
